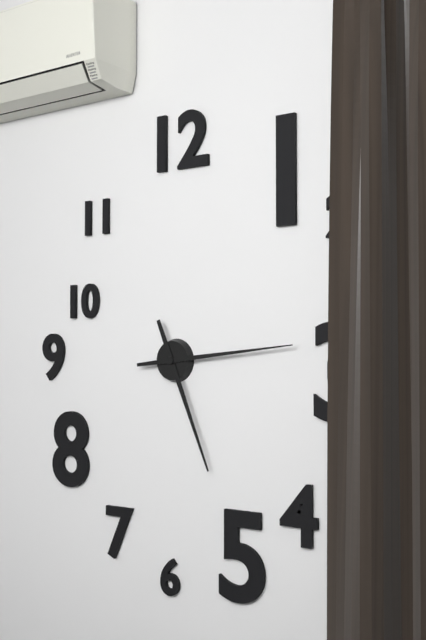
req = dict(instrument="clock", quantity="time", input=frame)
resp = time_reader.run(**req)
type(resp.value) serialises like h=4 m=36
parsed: h=5 m=14
